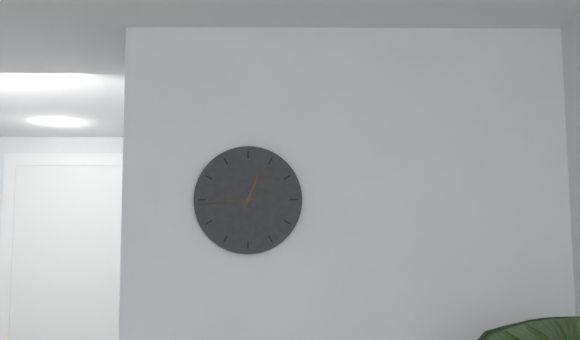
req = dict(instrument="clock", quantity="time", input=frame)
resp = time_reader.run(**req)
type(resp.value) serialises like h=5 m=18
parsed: h=12 m=44
